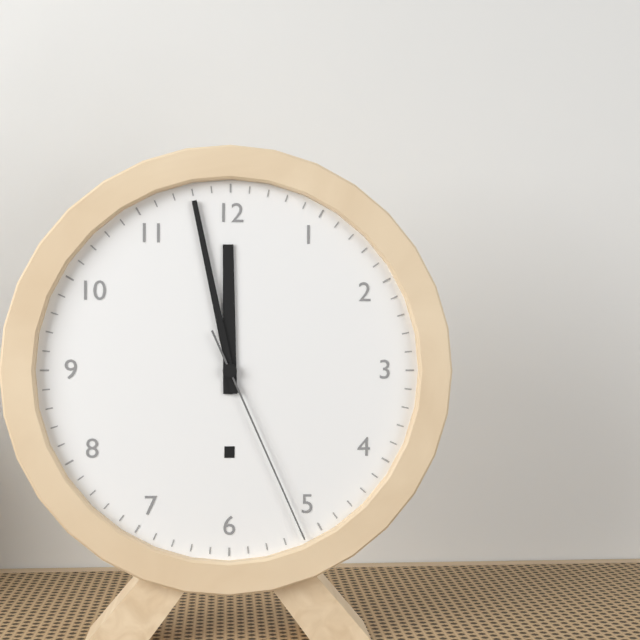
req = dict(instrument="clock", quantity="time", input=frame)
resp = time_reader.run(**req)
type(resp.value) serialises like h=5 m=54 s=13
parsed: h=11 m=58 s=26
